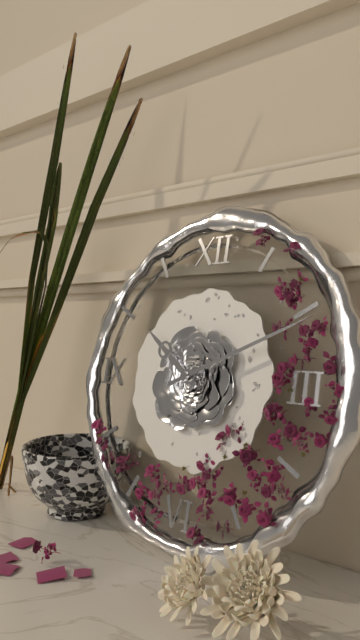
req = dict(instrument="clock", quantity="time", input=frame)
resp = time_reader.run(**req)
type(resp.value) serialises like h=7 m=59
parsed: h=10 m=11
